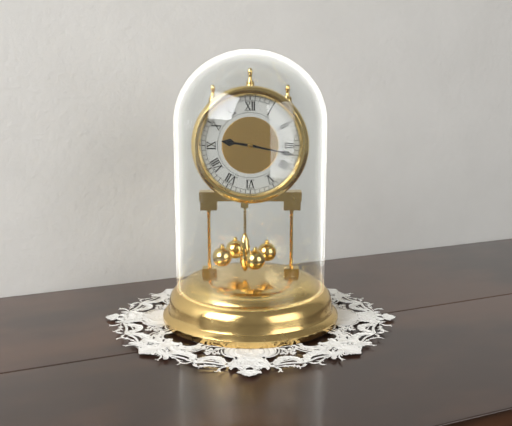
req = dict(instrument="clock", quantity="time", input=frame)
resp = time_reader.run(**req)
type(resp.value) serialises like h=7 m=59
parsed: h=9 m=17
